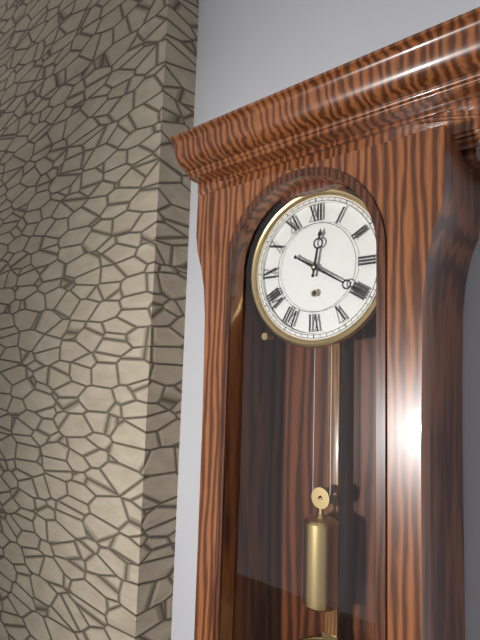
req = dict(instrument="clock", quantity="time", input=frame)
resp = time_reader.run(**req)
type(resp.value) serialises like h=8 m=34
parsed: h=12 m=20
